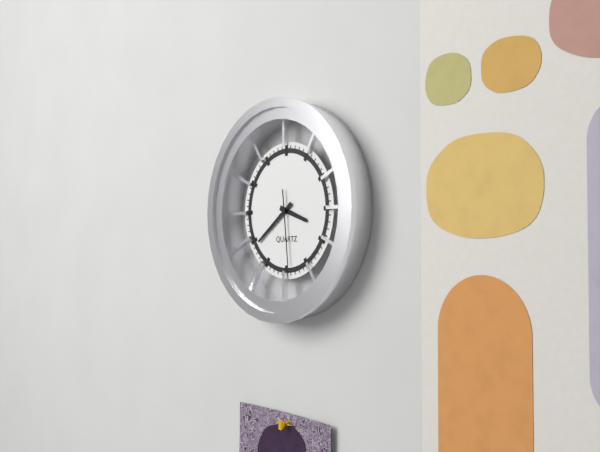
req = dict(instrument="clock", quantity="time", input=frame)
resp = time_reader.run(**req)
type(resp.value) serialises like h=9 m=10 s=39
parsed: h=3 m=39 s=29
